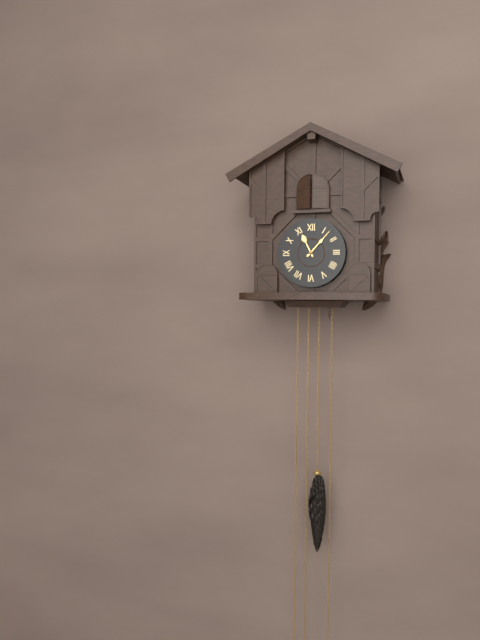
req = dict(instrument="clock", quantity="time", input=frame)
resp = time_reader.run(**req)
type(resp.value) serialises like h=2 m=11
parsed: h=11 m=7
